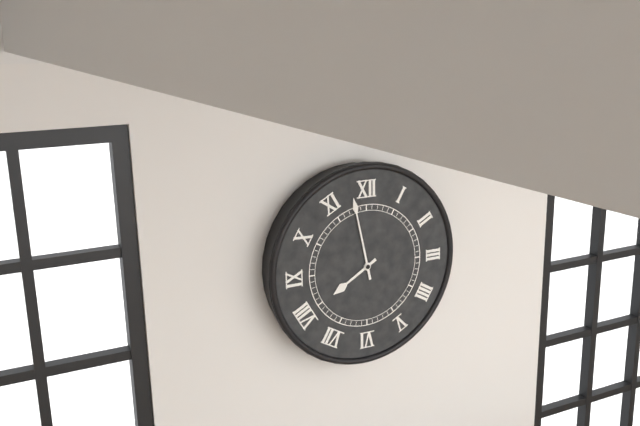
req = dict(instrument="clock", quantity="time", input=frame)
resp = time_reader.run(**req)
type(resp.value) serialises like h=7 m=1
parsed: h=7 m=58
